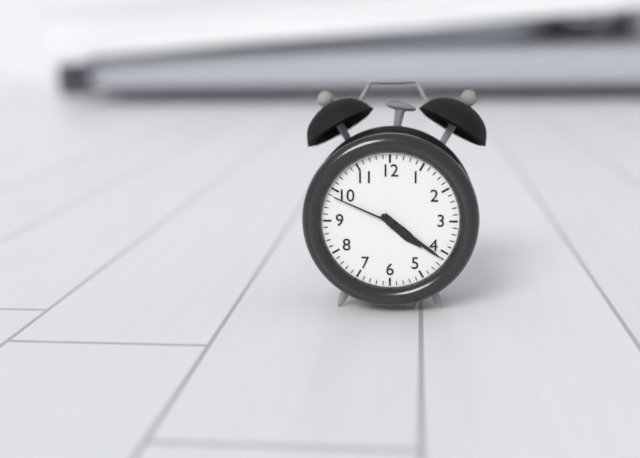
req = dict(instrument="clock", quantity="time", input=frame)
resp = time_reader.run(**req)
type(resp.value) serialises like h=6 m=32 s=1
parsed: h=4 m=21 s=49
